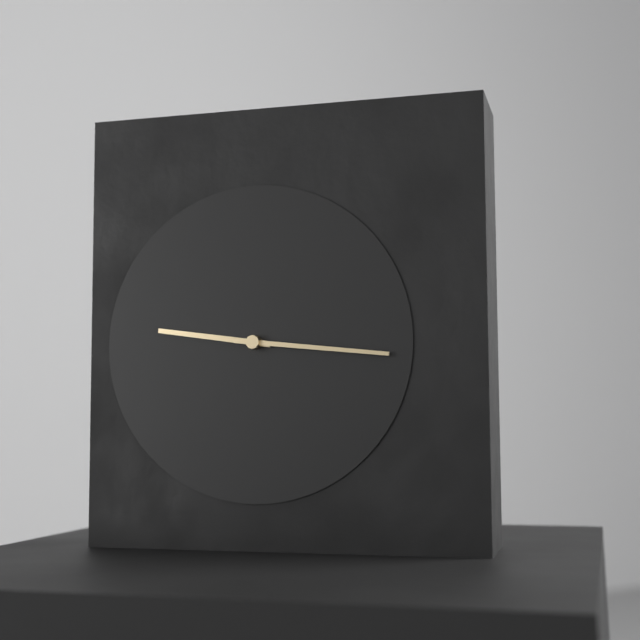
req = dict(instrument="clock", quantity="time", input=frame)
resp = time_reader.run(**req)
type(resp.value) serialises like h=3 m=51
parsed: h=9 m=16
